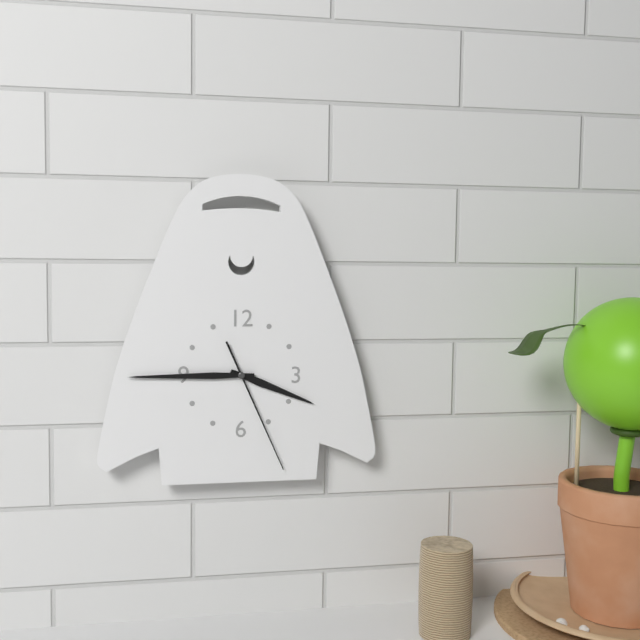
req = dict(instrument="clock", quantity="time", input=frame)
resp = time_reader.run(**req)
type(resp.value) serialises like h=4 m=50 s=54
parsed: h=3 m=45 s=26
